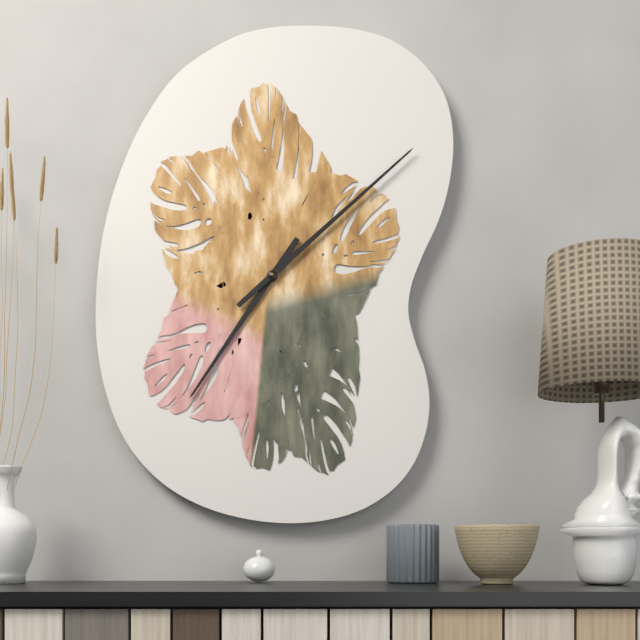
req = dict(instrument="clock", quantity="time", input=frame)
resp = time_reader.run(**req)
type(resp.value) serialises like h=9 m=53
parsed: h=7 m=8
